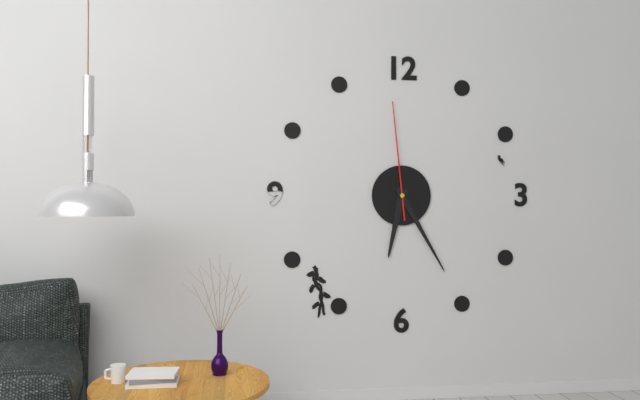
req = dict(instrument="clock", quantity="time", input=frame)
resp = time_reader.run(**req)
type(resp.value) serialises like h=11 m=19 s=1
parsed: h=6 m=25 s=59
